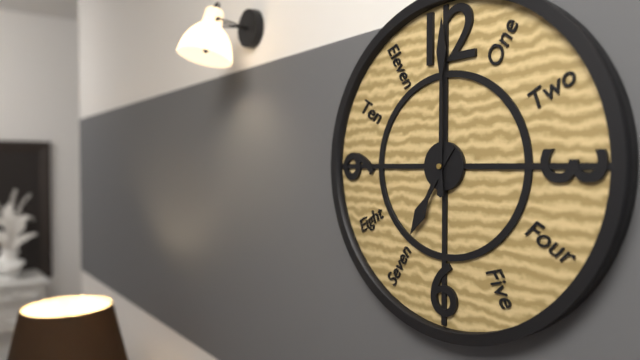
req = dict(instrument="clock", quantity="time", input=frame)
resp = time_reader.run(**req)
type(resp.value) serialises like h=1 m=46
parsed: h=7 m=0
